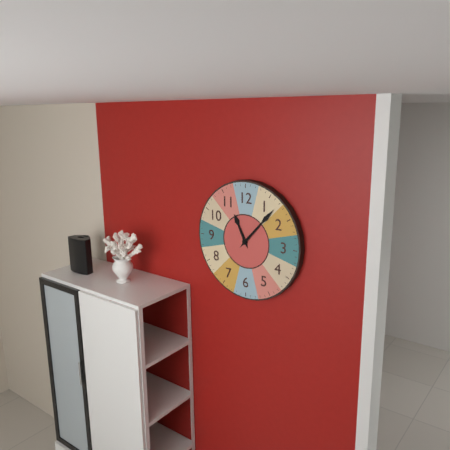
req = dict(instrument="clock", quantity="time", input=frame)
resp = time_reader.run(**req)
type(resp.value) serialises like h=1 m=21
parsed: h=11 m=7
